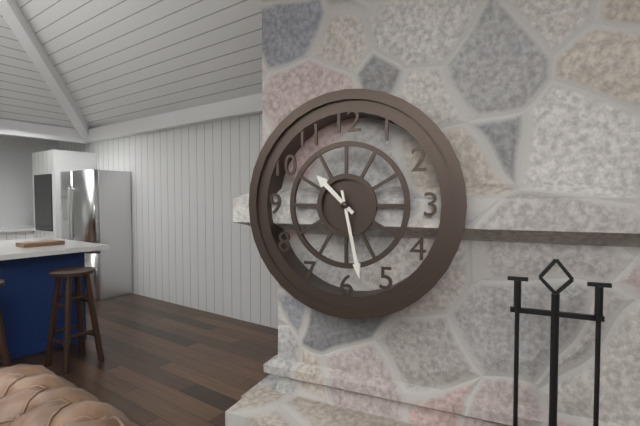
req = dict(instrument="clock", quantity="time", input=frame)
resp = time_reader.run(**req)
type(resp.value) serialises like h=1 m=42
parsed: h=10 m=28
